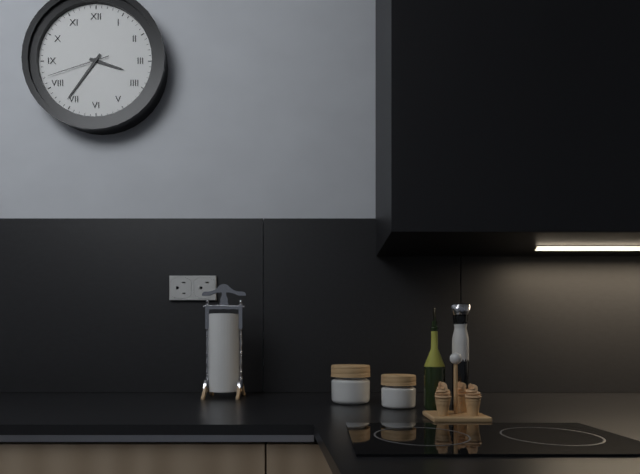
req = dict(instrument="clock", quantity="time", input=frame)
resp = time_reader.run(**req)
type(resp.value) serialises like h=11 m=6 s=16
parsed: h=3 m=36 s=42
